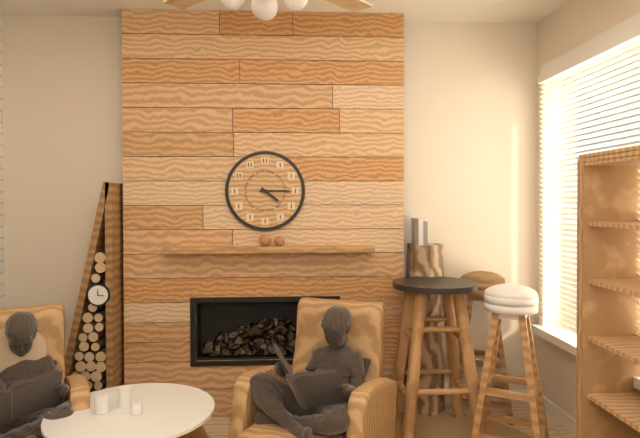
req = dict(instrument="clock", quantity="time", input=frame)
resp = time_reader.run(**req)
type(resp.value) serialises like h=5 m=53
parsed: h=4 m=15
